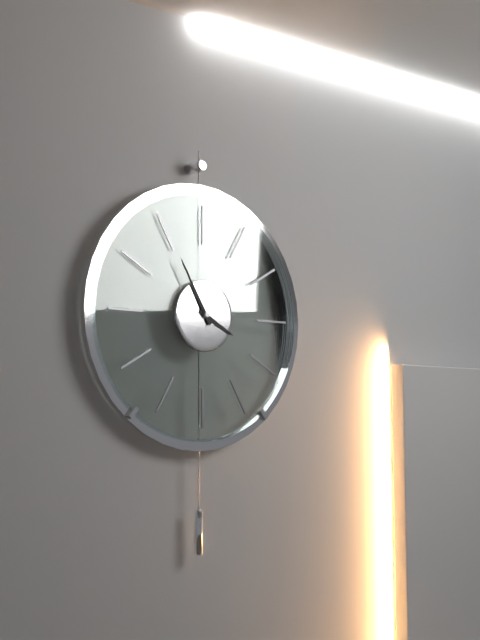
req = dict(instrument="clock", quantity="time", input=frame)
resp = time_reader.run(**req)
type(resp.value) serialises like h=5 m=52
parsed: h=3 m=55
